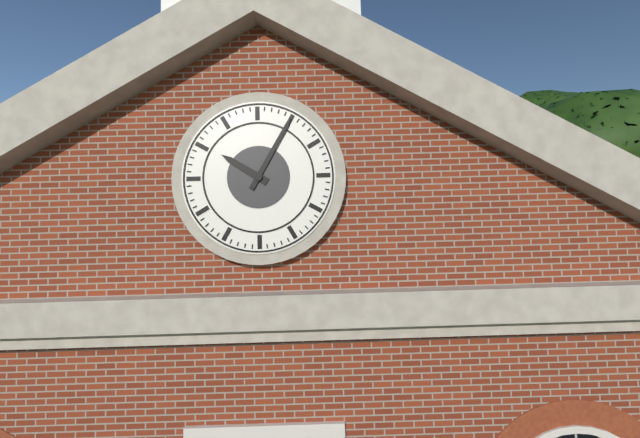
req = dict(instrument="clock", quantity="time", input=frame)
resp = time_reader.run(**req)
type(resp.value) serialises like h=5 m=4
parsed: h=10 m=5
